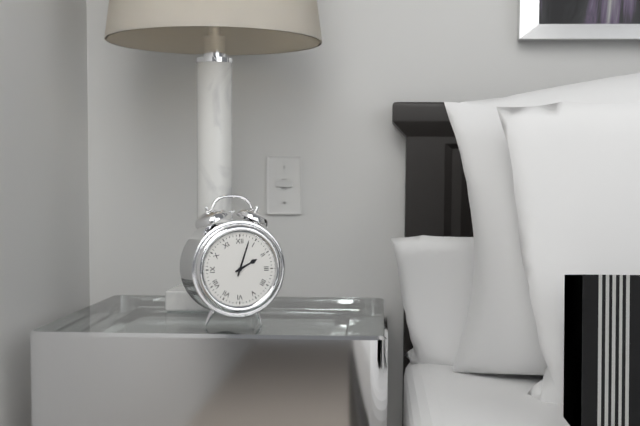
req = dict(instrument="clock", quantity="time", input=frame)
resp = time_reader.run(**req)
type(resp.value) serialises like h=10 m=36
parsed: h=2 m=3
